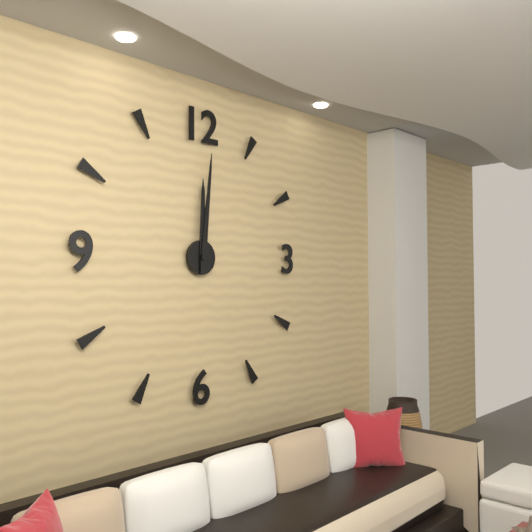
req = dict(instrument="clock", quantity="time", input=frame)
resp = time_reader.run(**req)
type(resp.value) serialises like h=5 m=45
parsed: h=12 m=1
